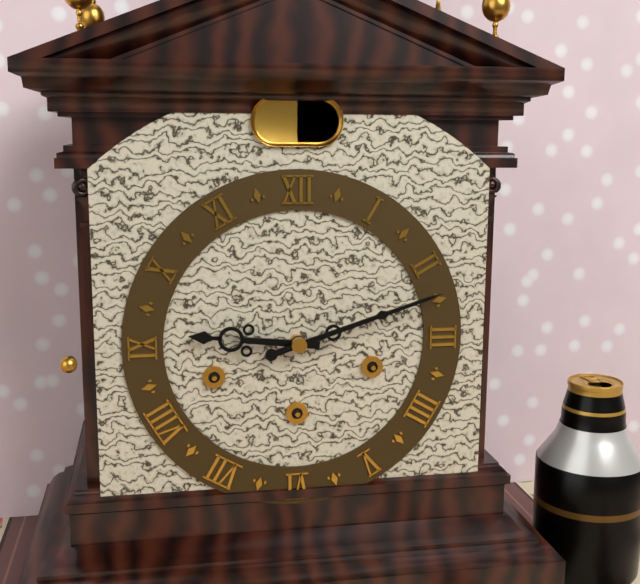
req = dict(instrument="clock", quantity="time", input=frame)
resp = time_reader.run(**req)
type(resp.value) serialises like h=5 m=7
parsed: h=9 m=12
